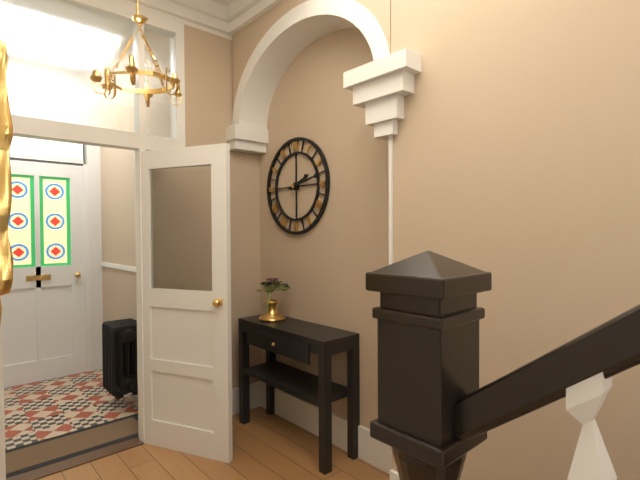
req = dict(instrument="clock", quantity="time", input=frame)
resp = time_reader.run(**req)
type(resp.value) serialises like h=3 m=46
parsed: h=2 m=13
